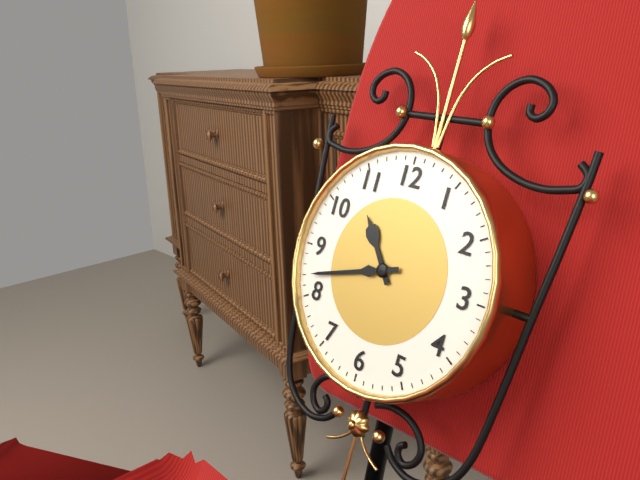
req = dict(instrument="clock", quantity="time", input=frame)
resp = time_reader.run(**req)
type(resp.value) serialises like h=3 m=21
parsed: h=10 m=42
